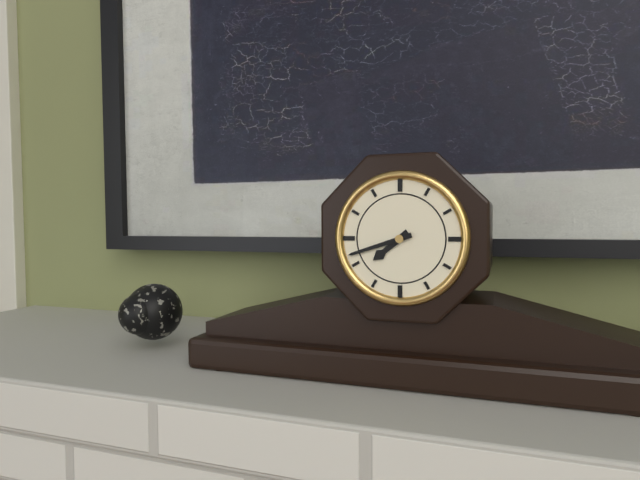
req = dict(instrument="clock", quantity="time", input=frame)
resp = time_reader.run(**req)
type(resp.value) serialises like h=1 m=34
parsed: h=7 m=42
